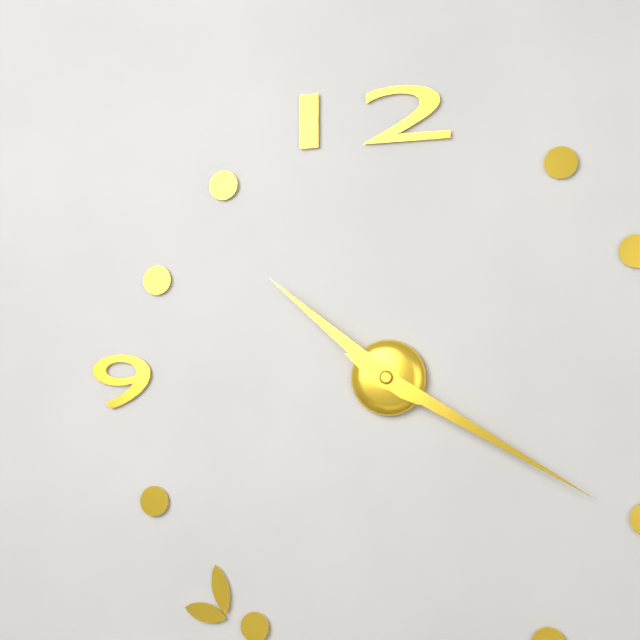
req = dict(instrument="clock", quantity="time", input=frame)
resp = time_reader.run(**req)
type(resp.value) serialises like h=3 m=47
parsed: h=10 m=20
